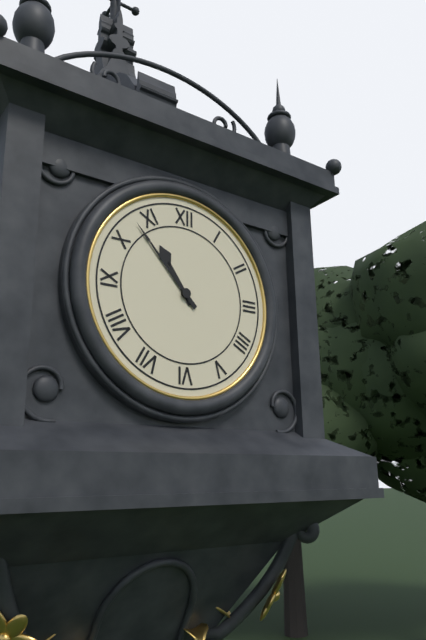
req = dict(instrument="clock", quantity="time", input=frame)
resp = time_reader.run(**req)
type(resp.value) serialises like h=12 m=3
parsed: h=10 m=53
